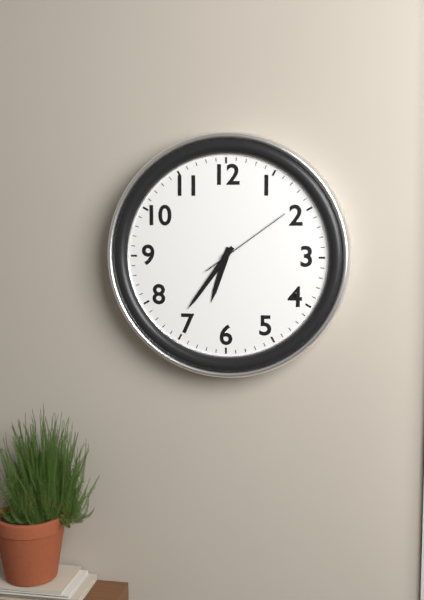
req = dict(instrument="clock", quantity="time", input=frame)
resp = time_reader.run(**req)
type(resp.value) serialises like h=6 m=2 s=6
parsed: h=6 m=36 s=9
